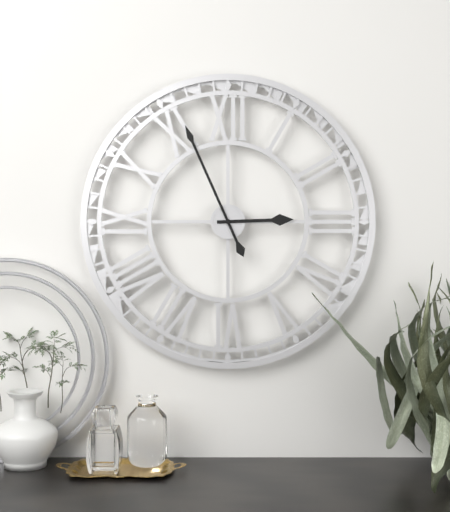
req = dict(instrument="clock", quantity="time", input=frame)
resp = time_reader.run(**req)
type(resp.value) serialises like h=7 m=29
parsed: h=2 m=56
